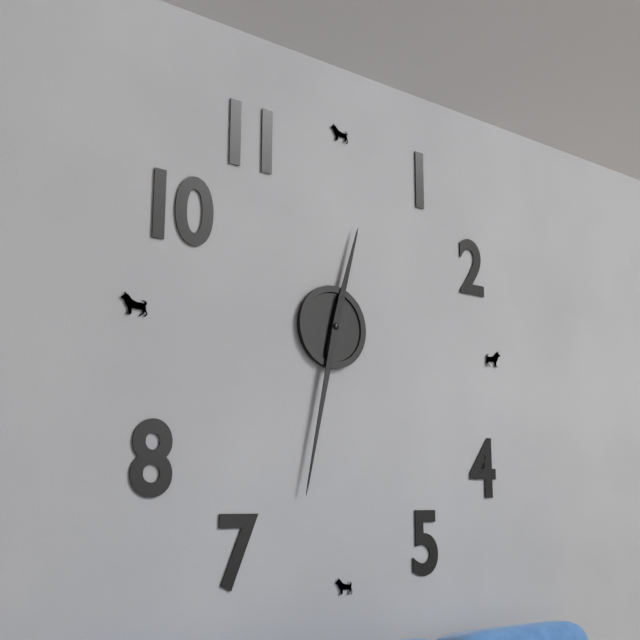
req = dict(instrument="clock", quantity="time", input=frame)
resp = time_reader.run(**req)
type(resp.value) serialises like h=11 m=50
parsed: h=12 m=32
